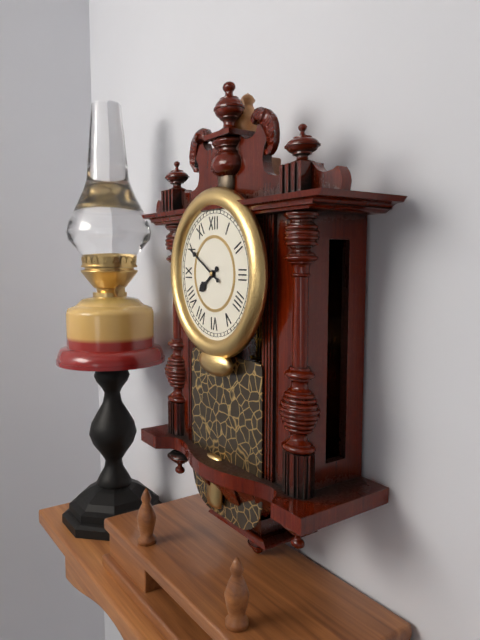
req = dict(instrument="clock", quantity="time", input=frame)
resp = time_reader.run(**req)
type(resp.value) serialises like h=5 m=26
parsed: h=7 m=50
